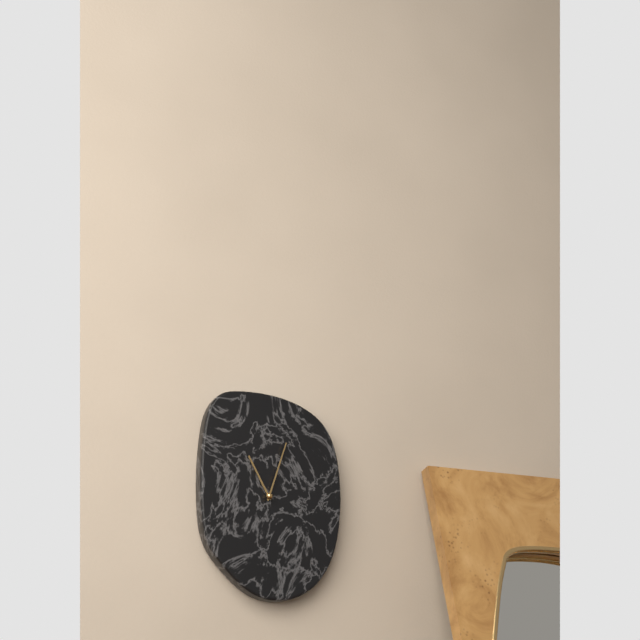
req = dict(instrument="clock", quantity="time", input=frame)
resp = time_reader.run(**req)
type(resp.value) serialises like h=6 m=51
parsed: h=11 m=3
